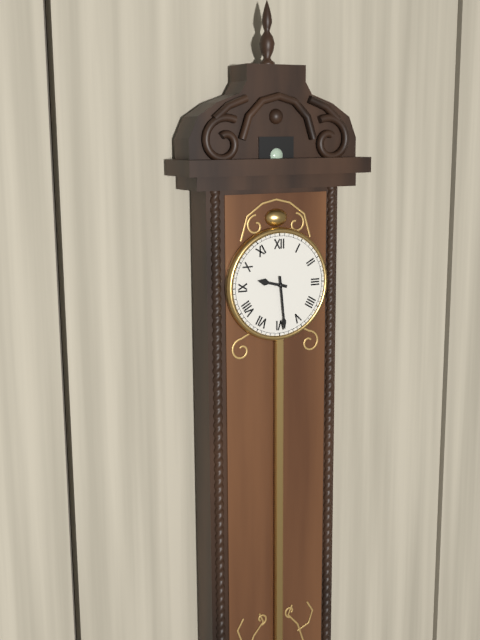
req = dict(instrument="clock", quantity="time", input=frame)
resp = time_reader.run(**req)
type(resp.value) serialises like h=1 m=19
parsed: h=9 m=29
